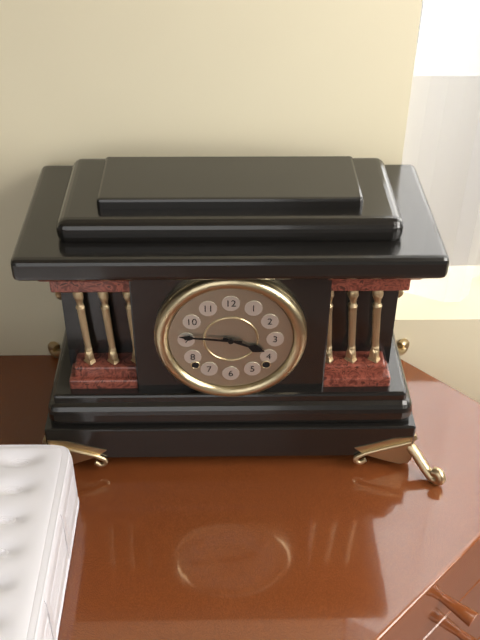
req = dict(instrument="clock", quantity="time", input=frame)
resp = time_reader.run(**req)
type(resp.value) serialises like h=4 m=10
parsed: h=3 m=46
